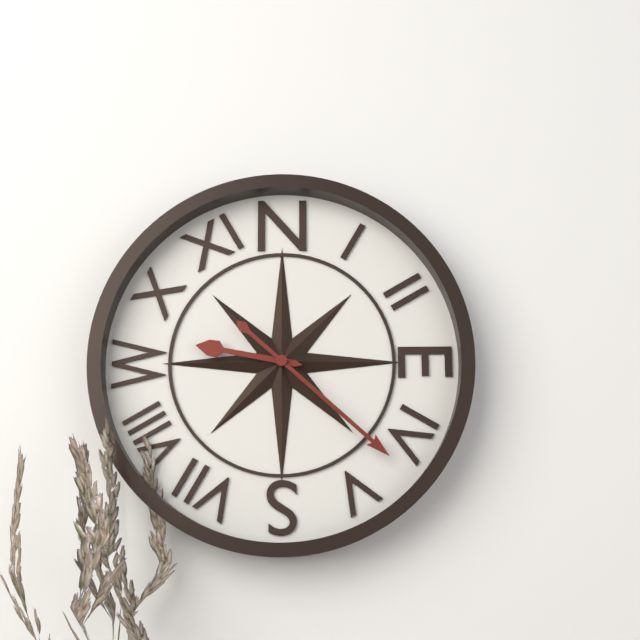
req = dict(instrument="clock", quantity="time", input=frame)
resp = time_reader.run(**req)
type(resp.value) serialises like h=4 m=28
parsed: h=9 m=22
